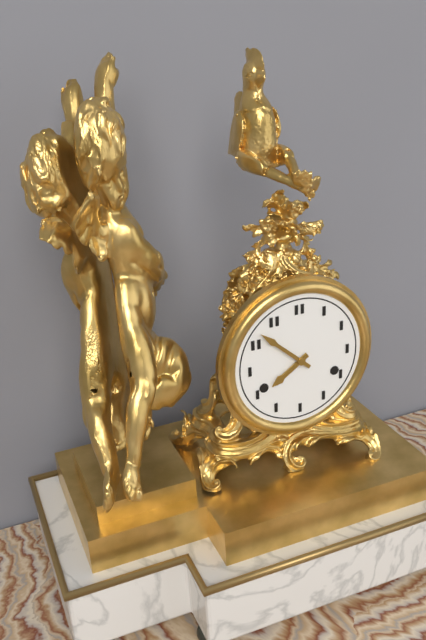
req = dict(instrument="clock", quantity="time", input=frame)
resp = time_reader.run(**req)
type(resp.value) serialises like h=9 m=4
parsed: h=7 m=52
